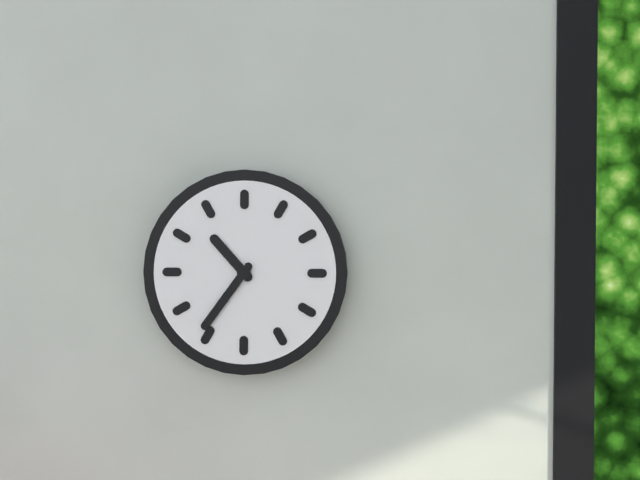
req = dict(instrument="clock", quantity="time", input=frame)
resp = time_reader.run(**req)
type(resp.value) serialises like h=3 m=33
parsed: h=10 m=36
